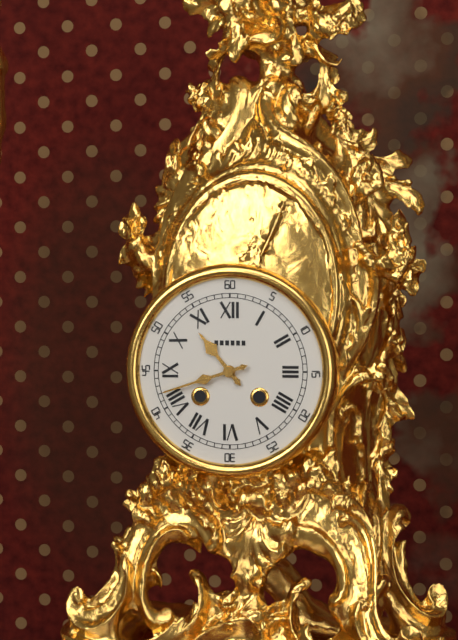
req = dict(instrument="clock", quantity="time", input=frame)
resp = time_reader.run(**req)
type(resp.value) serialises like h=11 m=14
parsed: h=10 m=42
